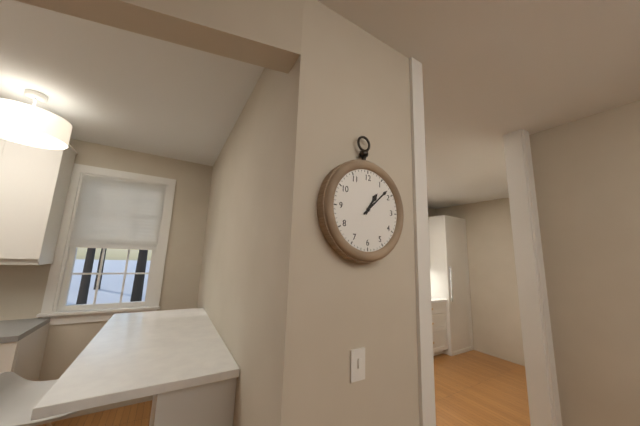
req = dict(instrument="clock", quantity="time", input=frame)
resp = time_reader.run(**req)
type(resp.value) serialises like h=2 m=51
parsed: h=1 m=8
